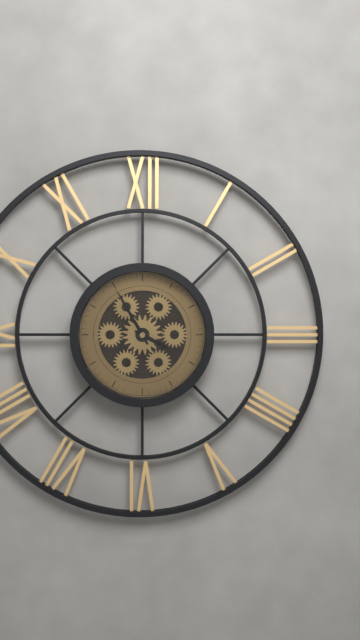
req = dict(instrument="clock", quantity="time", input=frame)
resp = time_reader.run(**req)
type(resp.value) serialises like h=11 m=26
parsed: h=3 m=55
